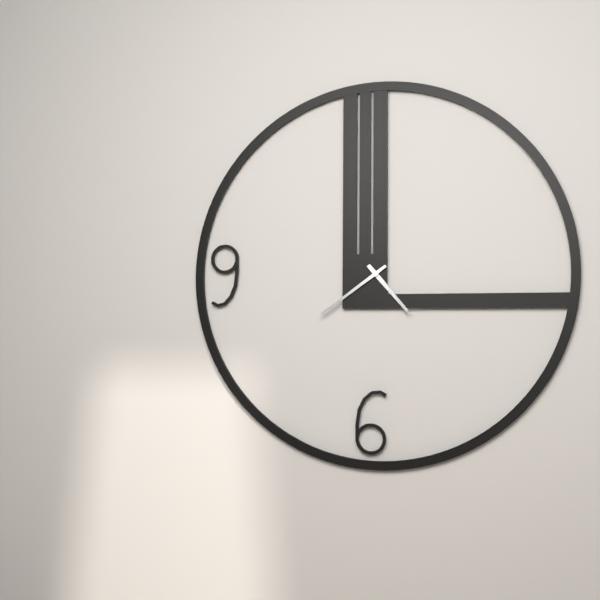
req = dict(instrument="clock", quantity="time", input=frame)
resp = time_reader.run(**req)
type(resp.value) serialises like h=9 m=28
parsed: h=4 m=39
